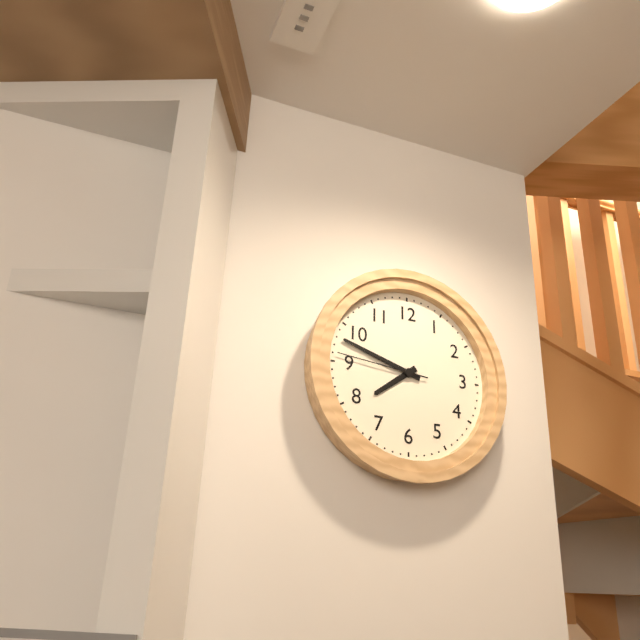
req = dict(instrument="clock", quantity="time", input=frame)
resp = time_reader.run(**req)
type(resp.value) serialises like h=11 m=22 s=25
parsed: h=7 m=48 s=46
